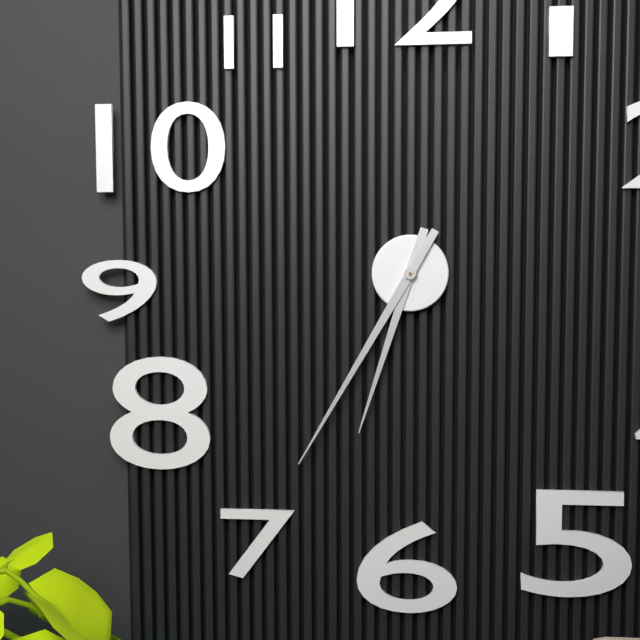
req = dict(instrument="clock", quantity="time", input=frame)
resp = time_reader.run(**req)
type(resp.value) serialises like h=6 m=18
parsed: h=6 m=35
